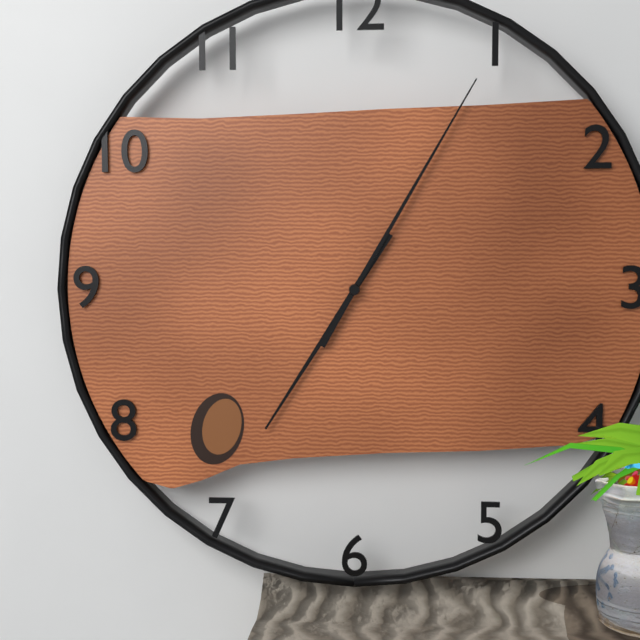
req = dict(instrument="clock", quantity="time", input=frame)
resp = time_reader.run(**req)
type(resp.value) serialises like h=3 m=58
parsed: h=7 m=5
